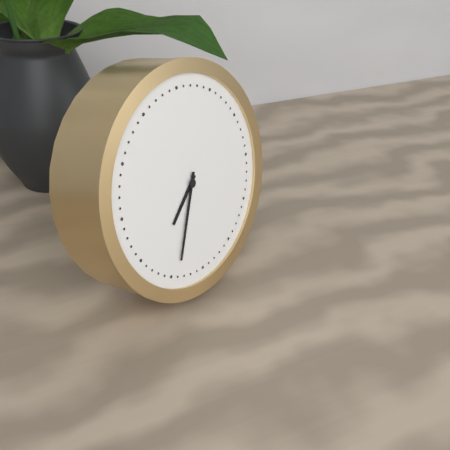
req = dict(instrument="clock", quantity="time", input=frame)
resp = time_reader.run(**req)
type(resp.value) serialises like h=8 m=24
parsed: h=7 m=34
